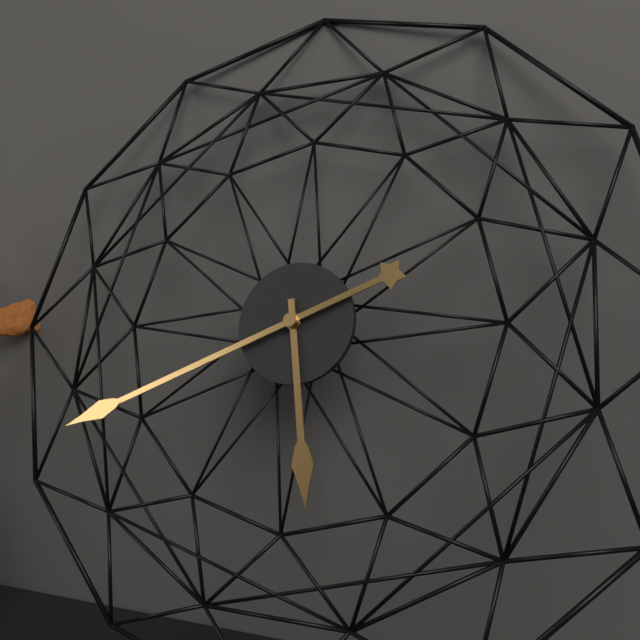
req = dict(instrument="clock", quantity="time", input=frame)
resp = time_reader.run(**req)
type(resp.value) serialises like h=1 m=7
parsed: h=5 m=41
